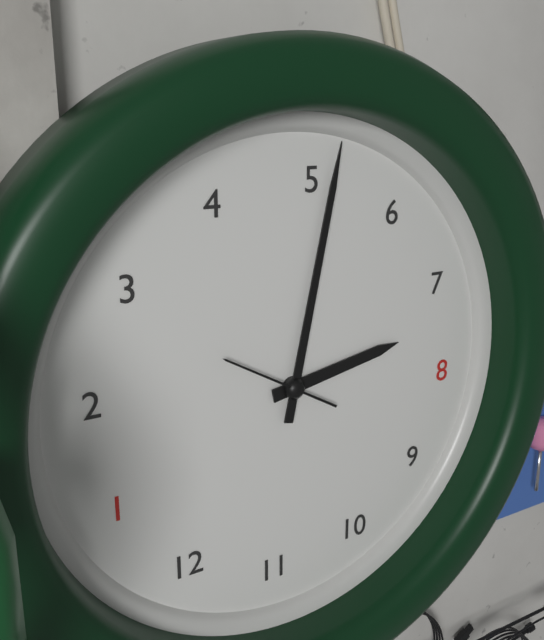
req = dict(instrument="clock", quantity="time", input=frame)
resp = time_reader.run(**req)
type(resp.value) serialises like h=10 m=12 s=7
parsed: h=7 m=26 s=14
